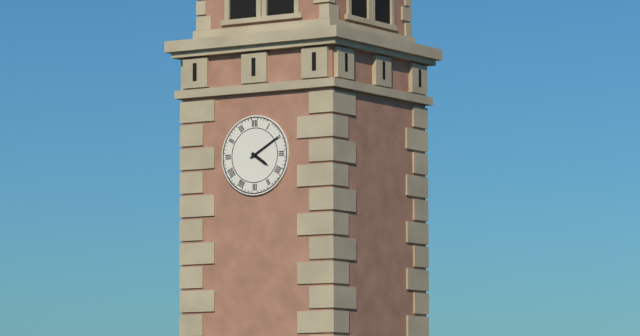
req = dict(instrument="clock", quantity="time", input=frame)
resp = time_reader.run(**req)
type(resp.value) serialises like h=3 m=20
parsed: h=4 m=10
